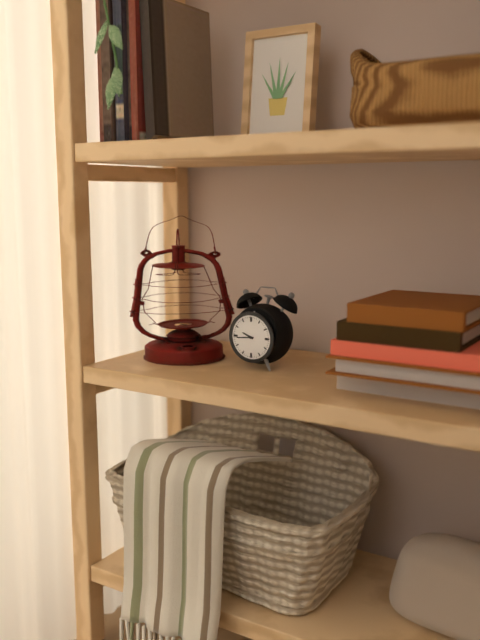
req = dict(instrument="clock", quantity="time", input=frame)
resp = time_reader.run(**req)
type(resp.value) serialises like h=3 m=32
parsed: h=9 m=44
